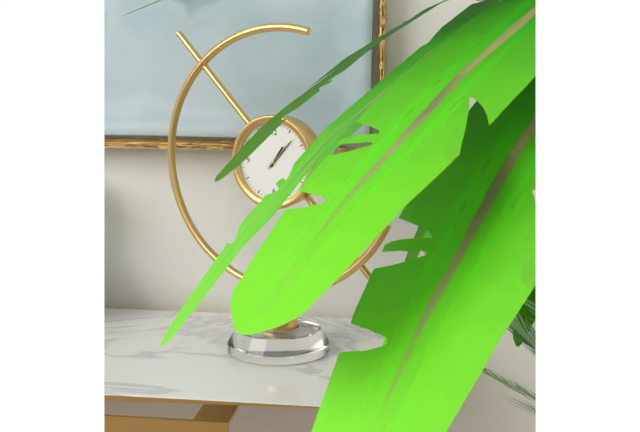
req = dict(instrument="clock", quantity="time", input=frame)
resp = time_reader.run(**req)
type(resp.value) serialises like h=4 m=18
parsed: h=1 m=7
